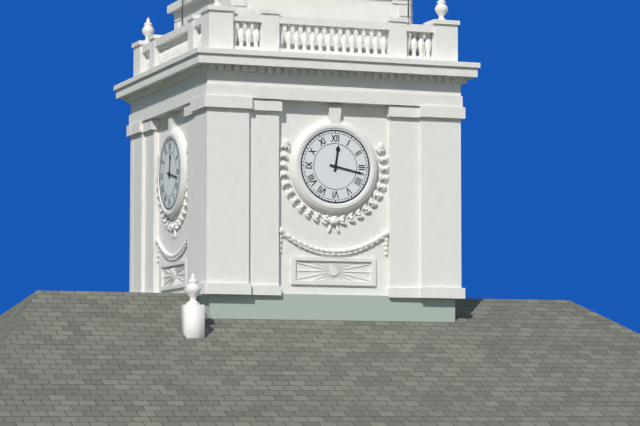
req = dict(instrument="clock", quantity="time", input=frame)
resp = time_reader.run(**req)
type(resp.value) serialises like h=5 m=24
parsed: h=12 m=17
